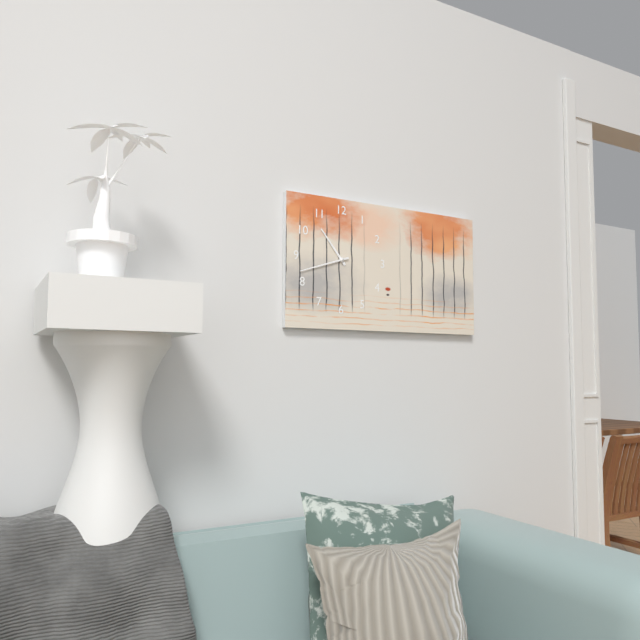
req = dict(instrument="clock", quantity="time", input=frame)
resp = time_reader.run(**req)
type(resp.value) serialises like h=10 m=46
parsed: h=10 m=42
